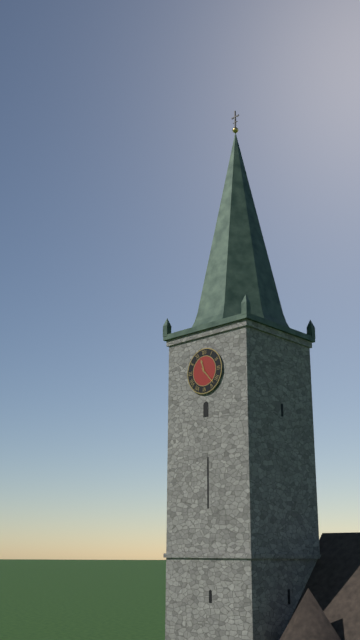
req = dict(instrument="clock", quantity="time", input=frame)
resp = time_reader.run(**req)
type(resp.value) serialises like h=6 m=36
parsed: h=11 m=23
